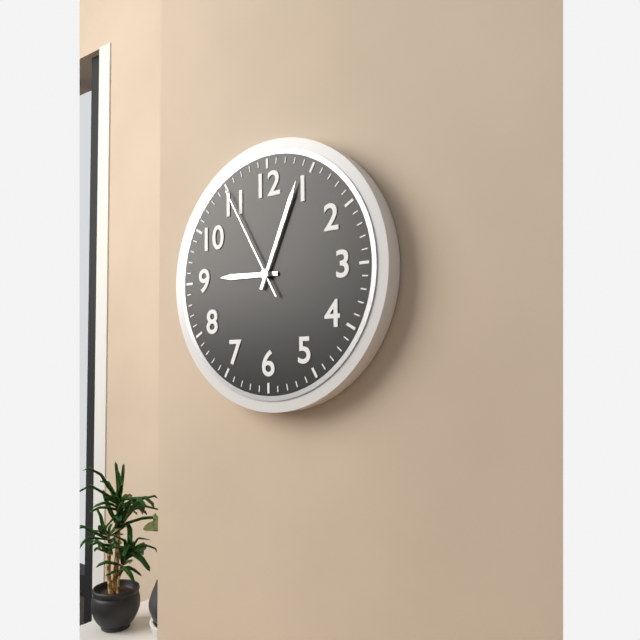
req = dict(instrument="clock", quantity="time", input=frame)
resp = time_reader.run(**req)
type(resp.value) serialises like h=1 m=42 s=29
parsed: h=9 m=4 s=55
